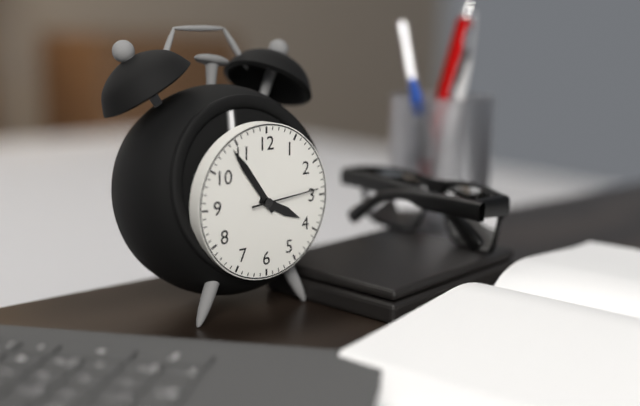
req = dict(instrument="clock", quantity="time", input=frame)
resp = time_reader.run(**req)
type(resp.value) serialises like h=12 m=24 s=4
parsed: h=3 m=54 s=14
